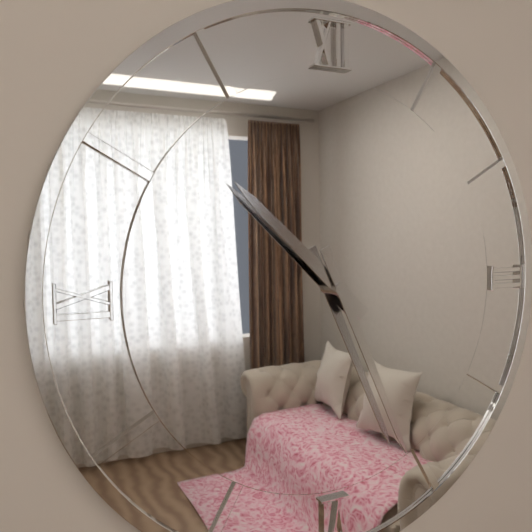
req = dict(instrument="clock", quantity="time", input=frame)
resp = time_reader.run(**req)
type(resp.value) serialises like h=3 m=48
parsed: h=10 m=26
